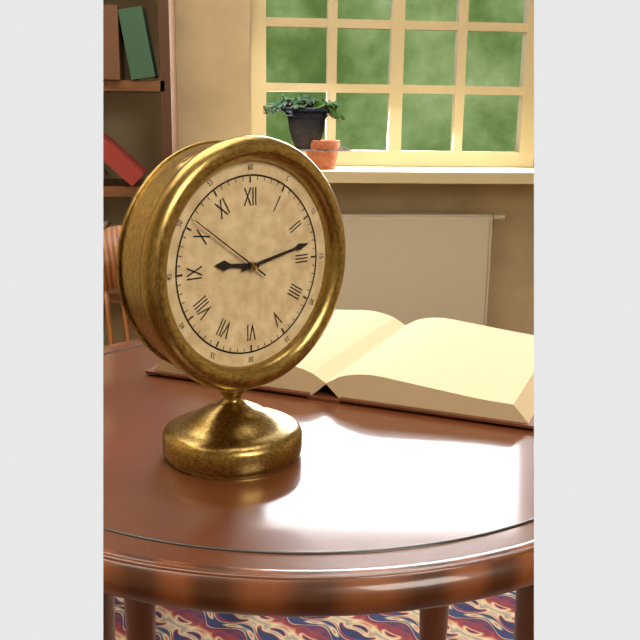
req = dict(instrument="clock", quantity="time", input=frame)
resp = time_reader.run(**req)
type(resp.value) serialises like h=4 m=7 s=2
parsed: h=9 m=13 s=51
